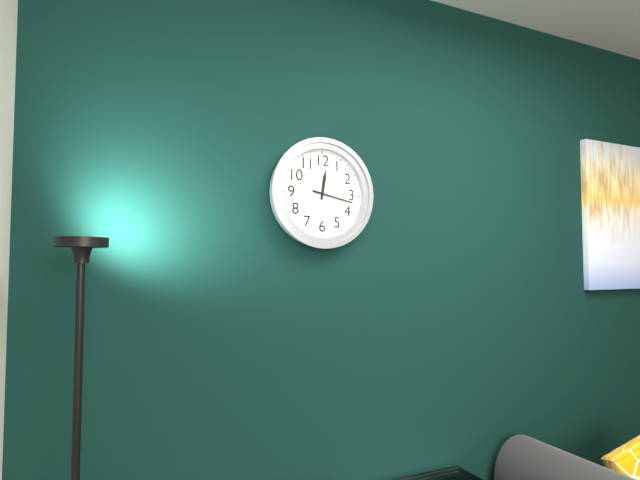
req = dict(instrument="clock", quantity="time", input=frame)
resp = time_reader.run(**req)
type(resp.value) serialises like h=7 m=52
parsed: h=12 m=17
